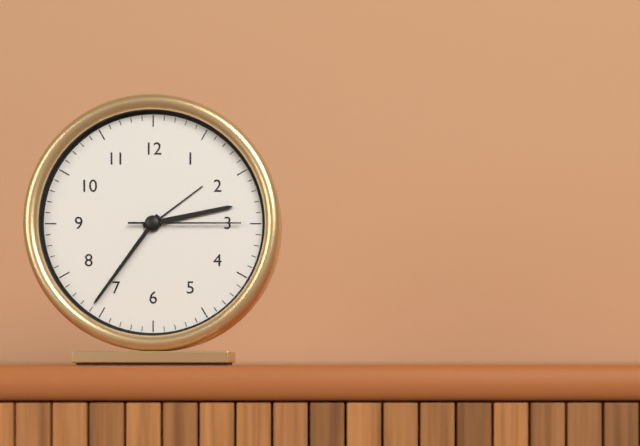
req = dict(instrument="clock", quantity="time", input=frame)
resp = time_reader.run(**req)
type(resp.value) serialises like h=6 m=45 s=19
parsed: h=2 m=36 s=15
